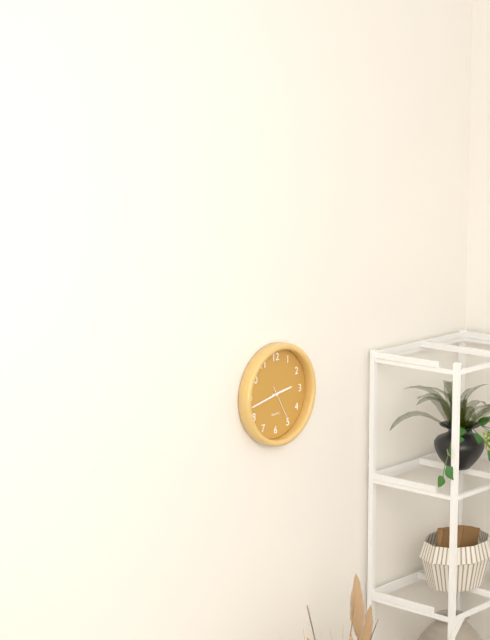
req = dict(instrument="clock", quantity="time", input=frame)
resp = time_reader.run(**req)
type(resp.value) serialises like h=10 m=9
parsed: h=2 m=43
